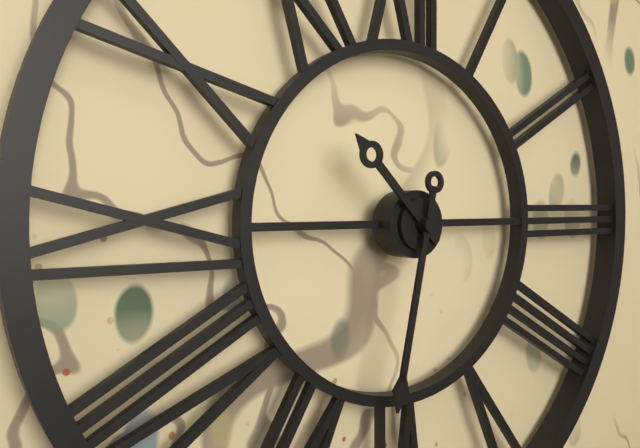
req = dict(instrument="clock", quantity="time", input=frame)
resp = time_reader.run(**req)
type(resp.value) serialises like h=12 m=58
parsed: h=10 m=32
